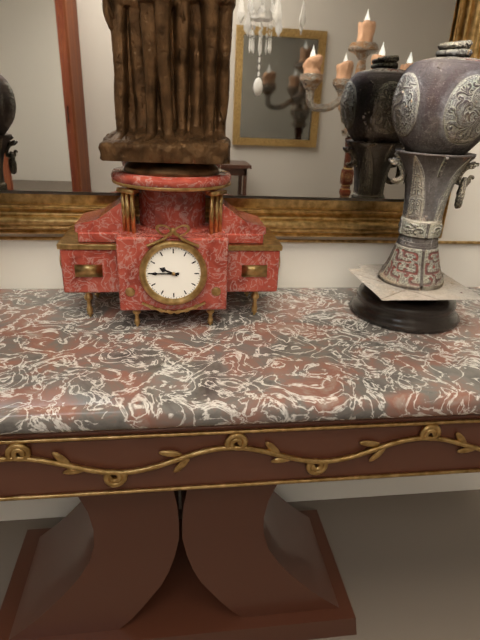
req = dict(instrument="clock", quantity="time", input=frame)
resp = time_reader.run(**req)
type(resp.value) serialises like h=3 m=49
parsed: h=9 m=45
